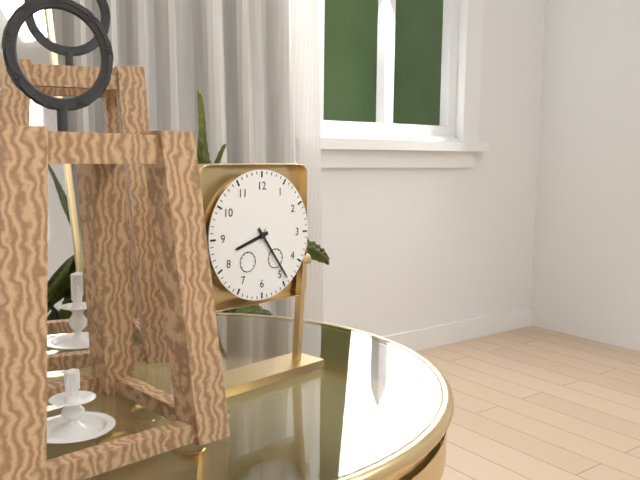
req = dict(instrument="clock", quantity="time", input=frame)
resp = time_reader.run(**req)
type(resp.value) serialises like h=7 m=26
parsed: h=8 m=24
